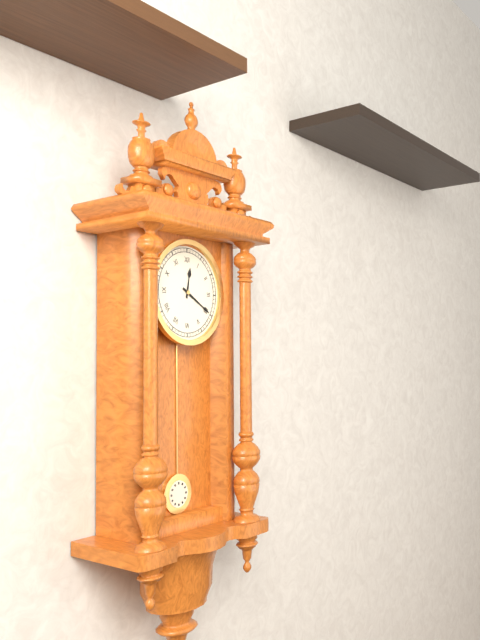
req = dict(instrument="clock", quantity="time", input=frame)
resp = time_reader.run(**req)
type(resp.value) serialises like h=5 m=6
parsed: h=12 m=20
